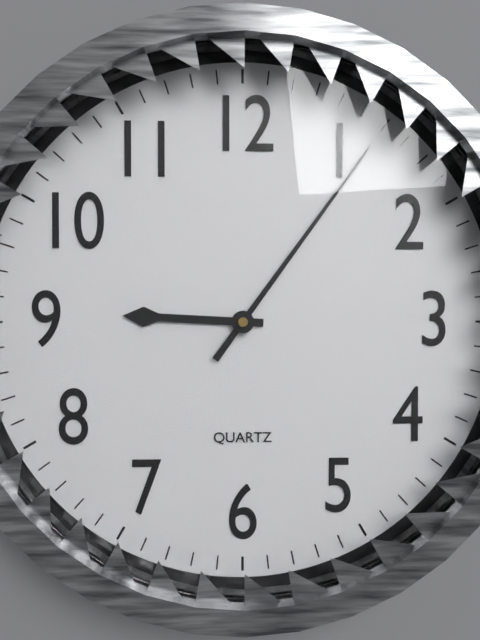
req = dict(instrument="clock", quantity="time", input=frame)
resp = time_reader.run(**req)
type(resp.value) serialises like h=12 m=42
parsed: h=9 m=6
